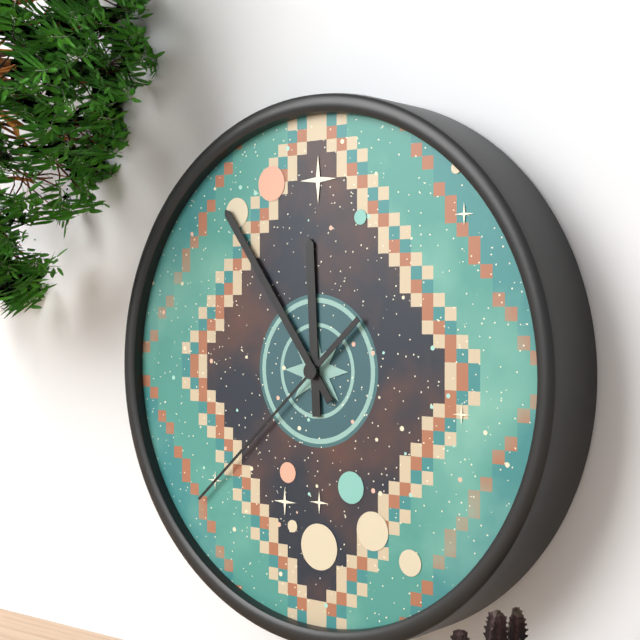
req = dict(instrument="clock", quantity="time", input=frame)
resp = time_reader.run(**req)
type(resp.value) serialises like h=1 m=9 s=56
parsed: h=11 m=54 s=38
